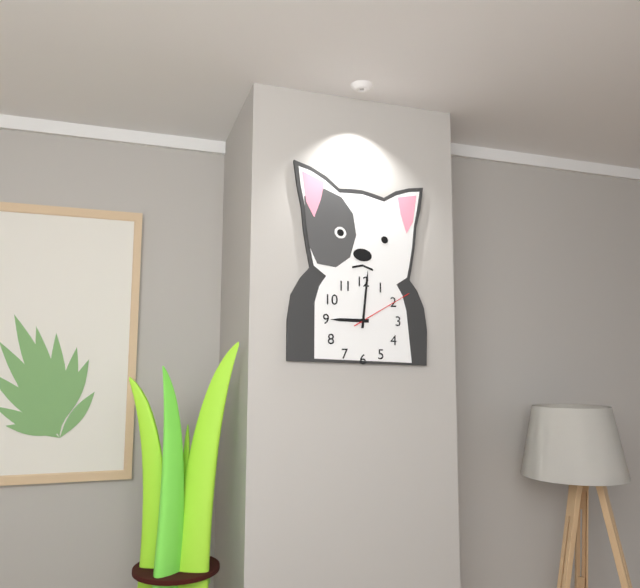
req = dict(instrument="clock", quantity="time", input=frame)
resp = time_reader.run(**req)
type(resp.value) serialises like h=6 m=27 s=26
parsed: h=9 m=1 s=10
